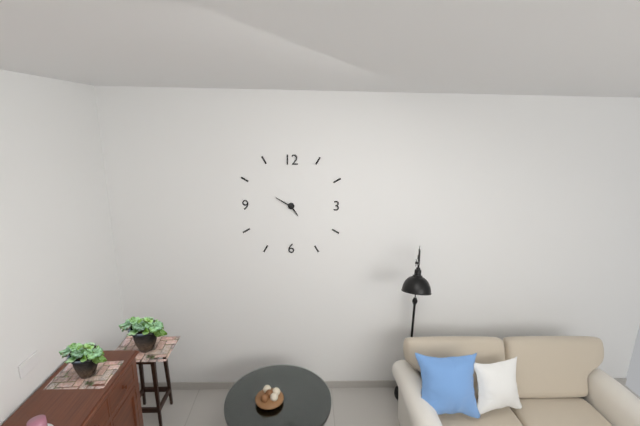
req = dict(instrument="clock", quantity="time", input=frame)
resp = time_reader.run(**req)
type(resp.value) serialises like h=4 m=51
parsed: h=4 m=50
